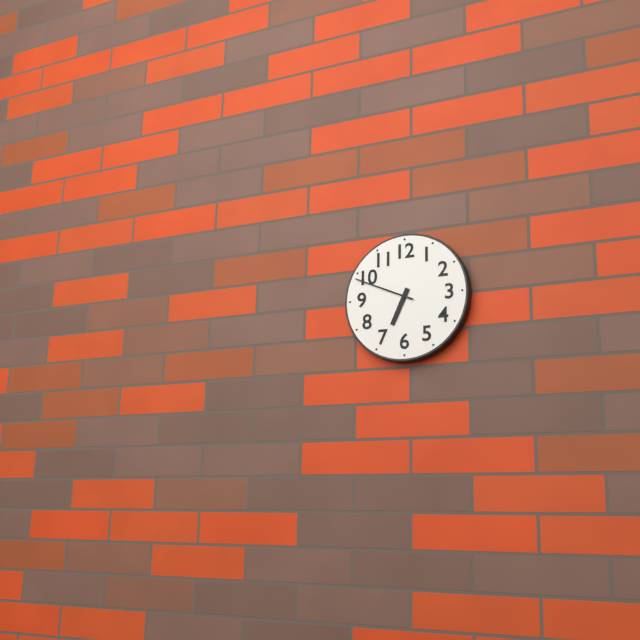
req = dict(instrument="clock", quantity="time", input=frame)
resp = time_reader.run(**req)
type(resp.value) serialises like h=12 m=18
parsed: h=6 m=49
